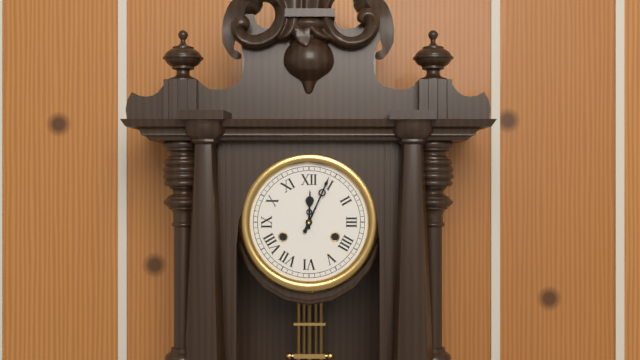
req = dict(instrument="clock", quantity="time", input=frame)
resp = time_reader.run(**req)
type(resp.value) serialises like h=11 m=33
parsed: h=12 m=4
